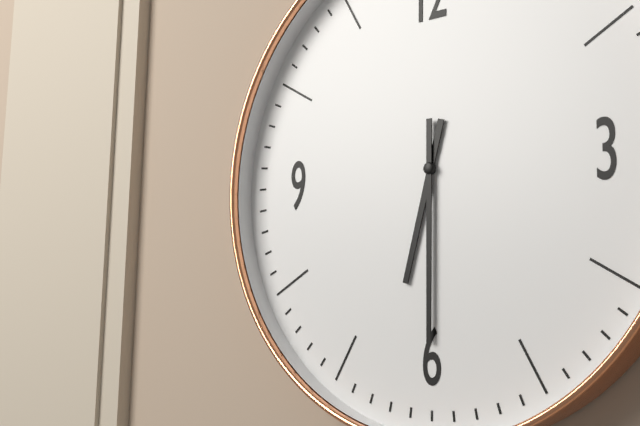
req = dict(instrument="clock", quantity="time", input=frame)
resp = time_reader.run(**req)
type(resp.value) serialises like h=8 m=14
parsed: h=6 m=30
